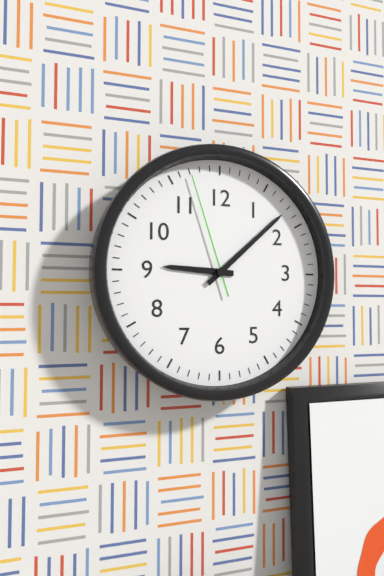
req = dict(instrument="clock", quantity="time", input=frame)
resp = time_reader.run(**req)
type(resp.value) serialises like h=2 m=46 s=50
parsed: h=9 m=8 s=57
